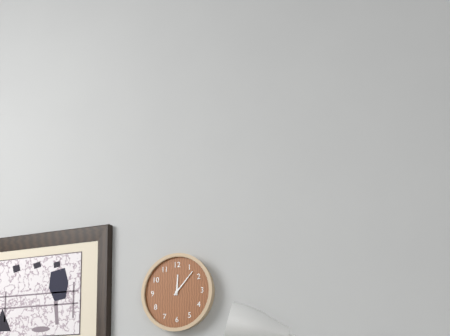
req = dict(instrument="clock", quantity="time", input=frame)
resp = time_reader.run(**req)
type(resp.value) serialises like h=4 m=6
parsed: h=12 m=7
